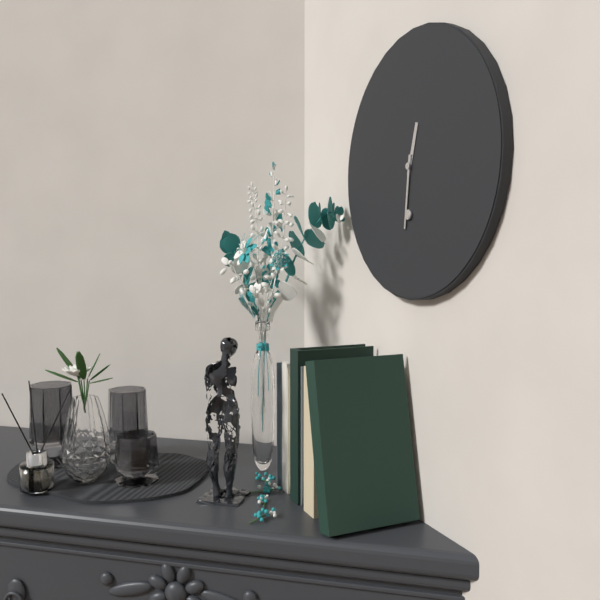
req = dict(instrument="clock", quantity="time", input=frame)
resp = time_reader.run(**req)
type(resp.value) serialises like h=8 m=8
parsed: h=12 m=31
